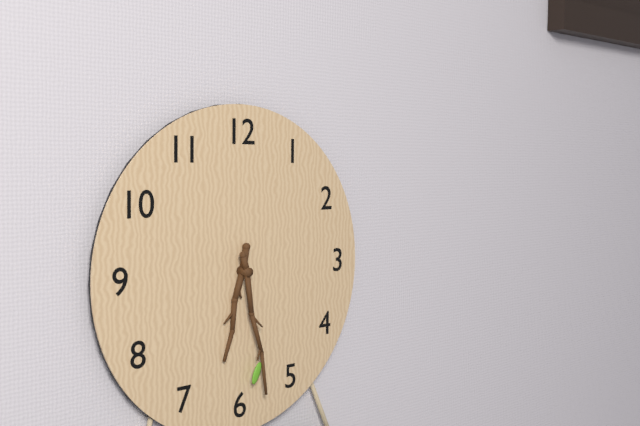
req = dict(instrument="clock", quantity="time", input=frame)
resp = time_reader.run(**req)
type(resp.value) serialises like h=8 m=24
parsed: h=6 m=28
